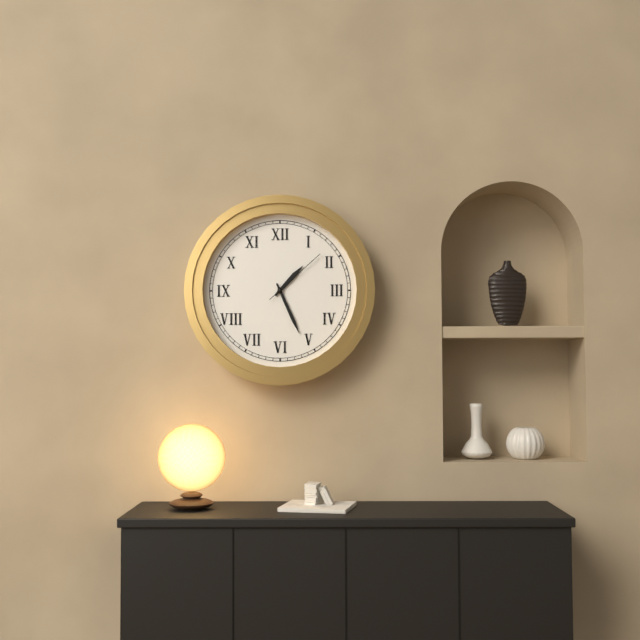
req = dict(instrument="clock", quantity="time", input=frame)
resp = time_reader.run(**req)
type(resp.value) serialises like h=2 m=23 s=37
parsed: h=1 m=26 s=8
